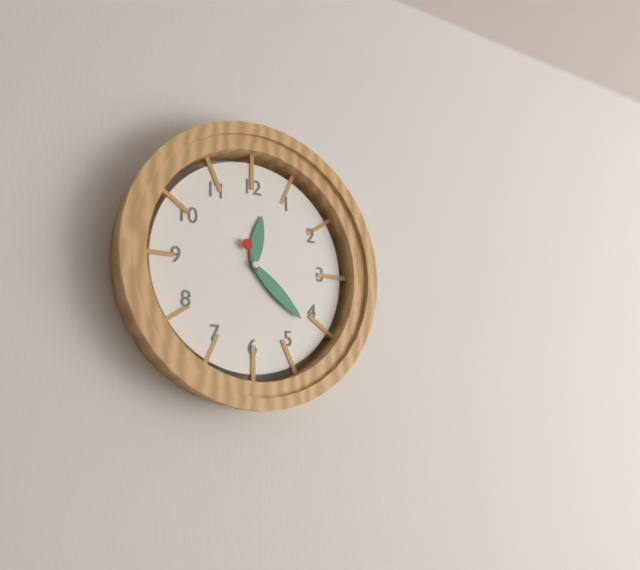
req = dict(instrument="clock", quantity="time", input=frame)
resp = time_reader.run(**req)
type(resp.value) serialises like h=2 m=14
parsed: h=12 m=22
